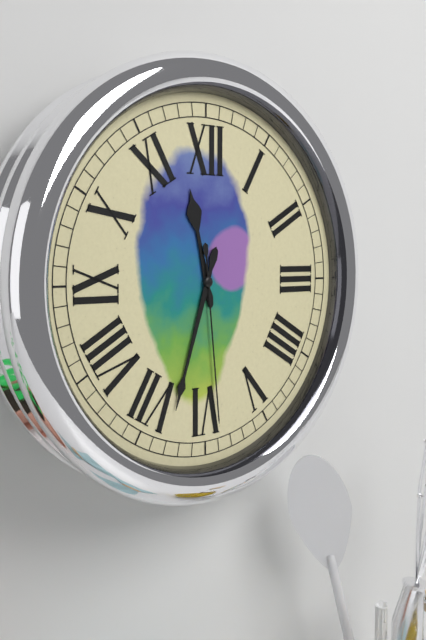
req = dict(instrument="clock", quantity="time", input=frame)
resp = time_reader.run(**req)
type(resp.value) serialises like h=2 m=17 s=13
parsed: h=11 m=33 s=29
